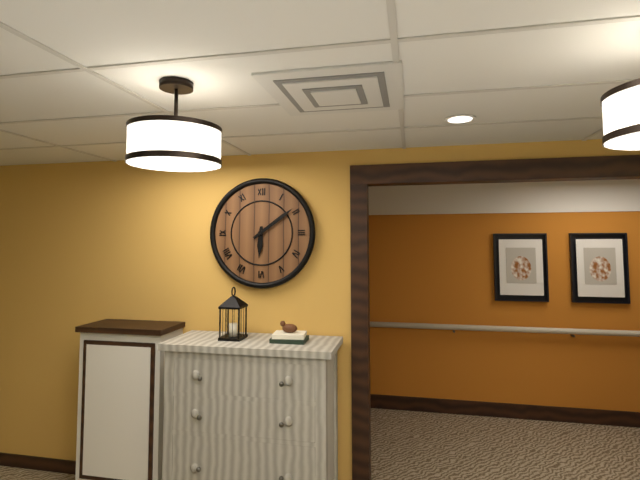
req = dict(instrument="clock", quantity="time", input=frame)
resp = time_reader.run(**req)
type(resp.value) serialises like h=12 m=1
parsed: h=6 m=9
